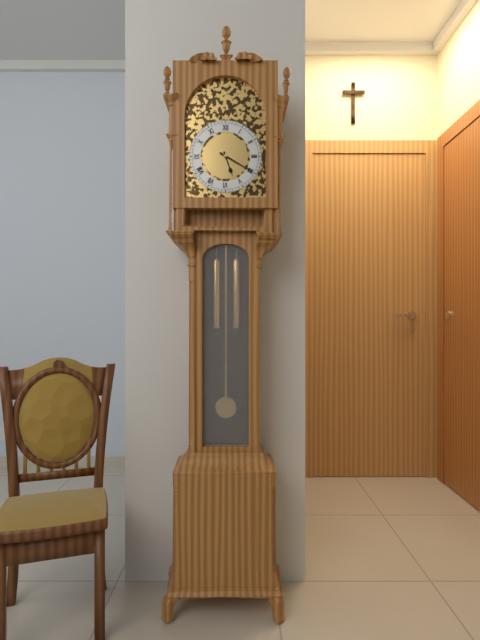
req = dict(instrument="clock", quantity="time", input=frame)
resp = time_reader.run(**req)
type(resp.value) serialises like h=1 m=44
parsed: h=5 m=20
